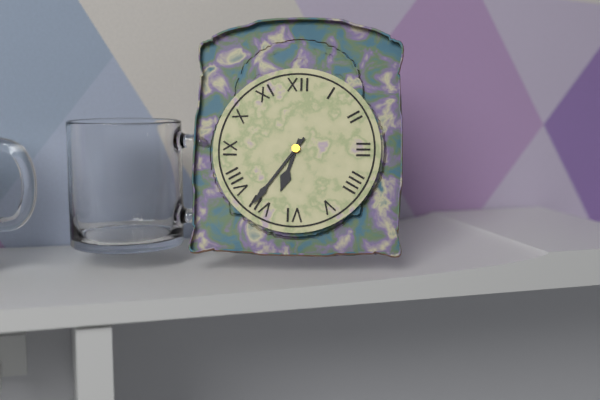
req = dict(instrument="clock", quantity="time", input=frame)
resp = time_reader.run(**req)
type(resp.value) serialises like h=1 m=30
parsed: h=6 m=36
